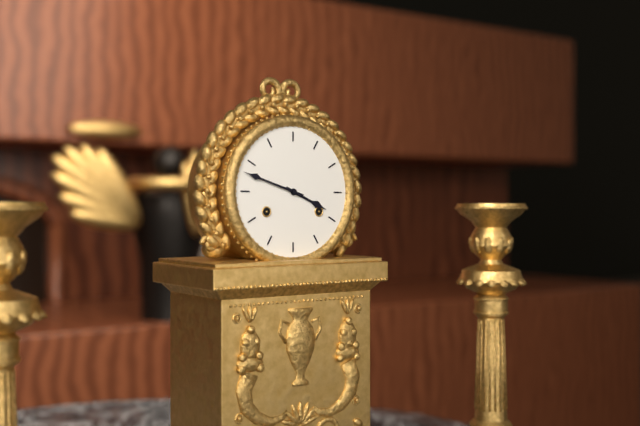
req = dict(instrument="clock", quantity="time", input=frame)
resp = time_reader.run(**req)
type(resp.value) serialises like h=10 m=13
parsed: h=3 m=48
